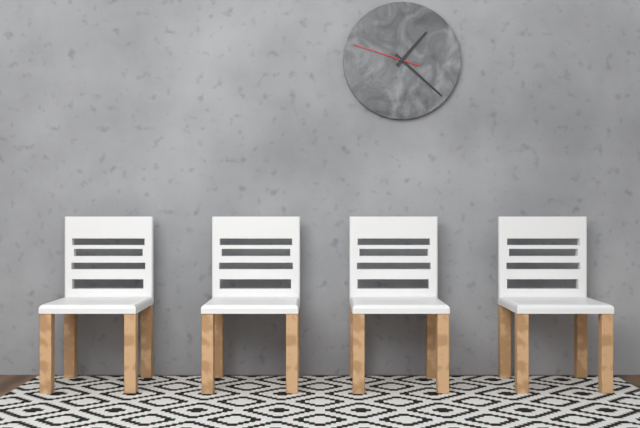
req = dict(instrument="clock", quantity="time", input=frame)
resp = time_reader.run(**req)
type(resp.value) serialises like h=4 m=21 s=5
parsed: h=1 m=22 s=48
